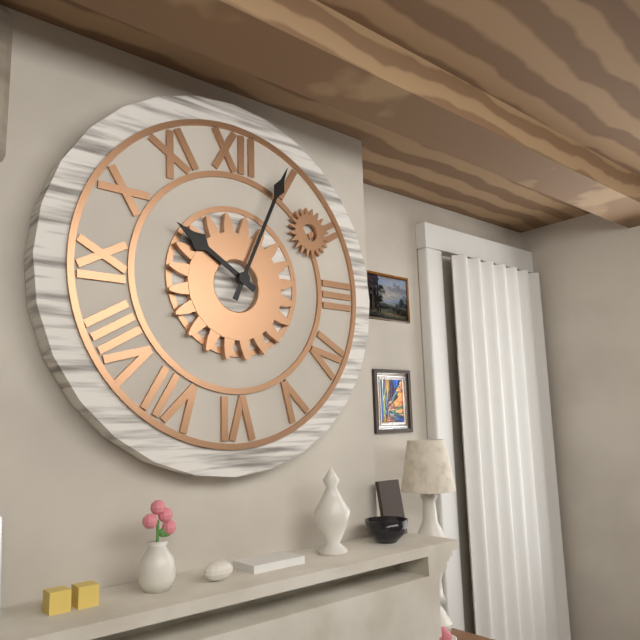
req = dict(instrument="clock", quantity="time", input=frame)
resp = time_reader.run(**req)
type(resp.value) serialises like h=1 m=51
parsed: h=10 m=4
